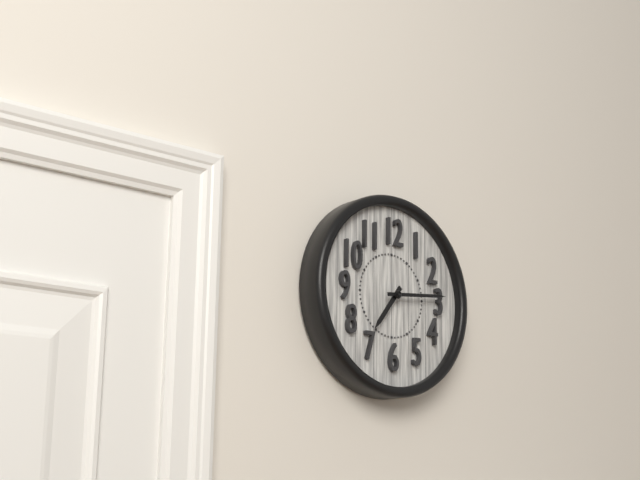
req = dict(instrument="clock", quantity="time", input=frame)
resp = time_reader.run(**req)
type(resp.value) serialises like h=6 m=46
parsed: h=7 m=14
